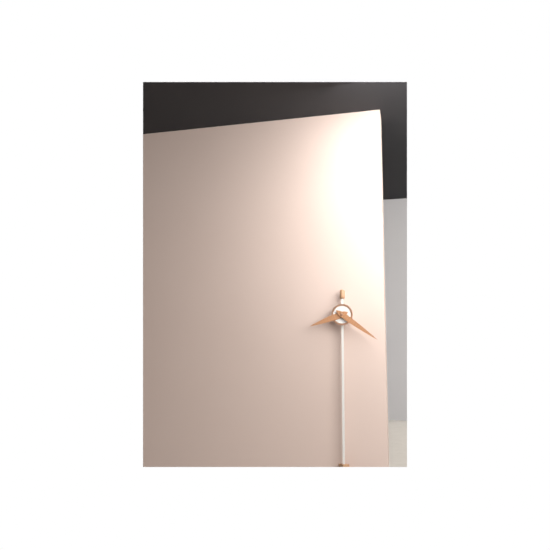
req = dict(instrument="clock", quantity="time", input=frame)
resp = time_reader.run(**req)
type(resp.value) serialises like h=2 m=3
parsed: h=8 m=21
